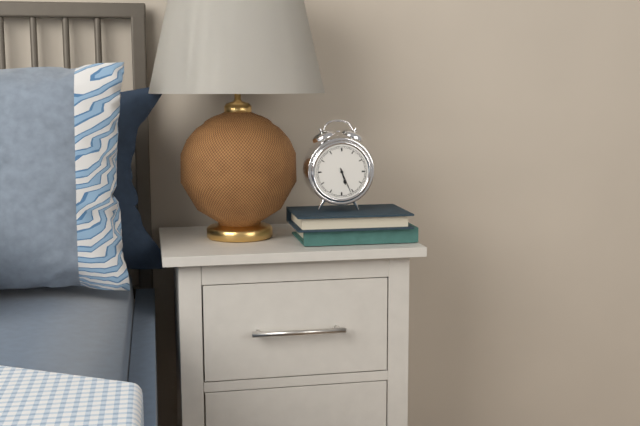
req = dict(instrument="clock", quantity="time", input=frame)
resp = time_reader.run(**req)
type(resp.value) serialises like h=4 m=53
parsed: h=5 m=26
